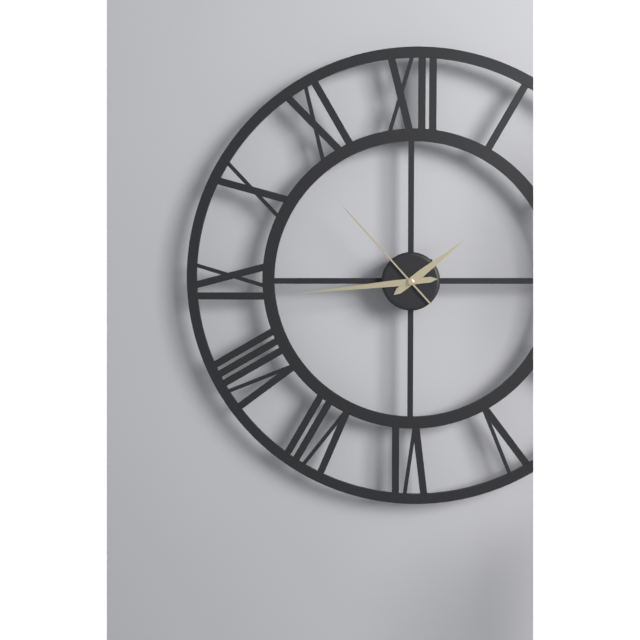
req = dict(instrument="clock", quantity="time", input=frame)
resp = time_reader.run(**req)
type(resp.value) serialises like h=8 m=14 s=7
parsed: h=1 m=44 s=53
